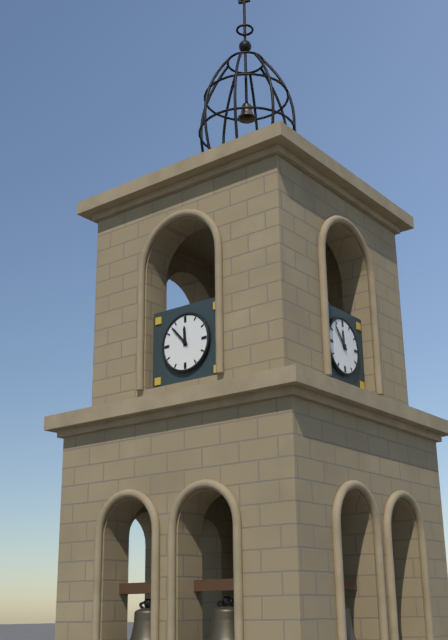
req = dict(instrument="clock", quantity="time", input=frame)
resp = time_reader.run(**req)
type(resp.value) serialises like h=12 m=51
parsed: h=11 m=53
